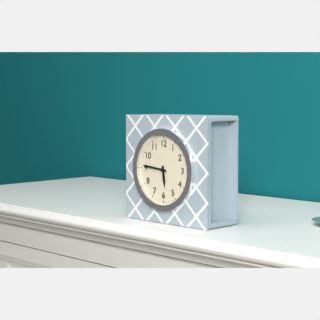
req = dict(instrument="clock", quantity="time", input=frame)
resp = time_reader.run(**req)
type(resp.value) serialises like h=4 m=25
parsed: h=5 m=46
